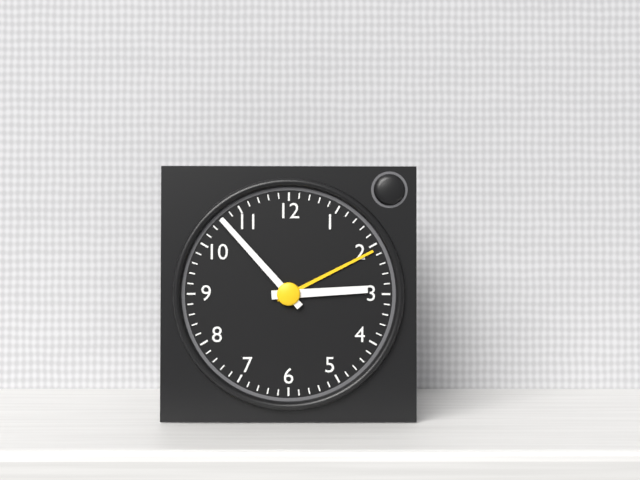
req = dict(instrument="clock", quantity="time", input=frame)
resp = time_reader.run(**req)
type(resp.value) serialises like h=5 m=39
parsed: h=2 m=53
